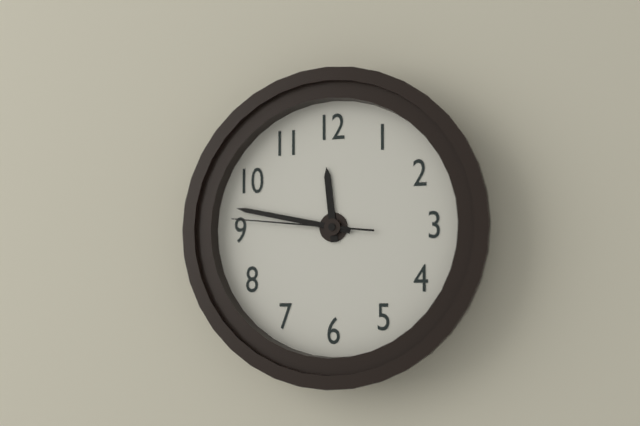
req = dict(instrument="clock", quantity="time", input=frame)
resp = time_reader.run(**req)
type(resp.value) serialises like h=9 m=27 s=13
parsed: h=11 m=47 s=46
